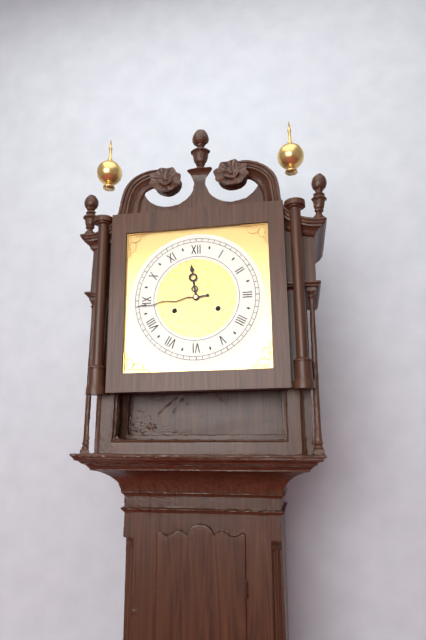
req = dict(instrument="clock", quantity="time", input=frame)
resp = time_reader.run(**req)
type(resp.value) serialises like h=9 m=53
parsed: h=11 m=44
